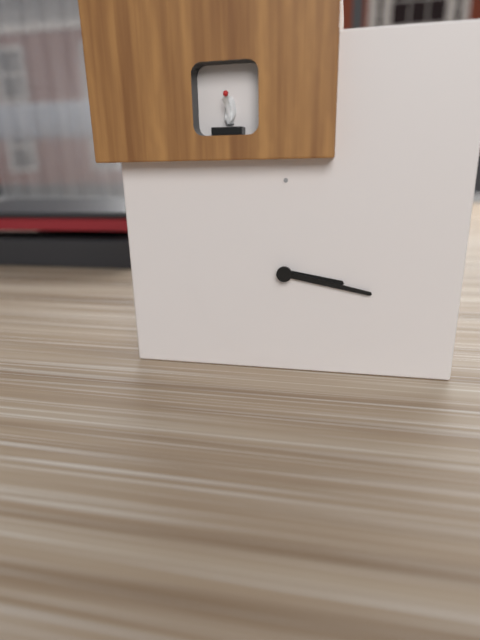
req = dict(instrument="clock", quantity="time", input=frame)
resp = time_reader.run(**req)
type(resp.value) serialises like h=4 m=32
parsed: h=3 m=17
